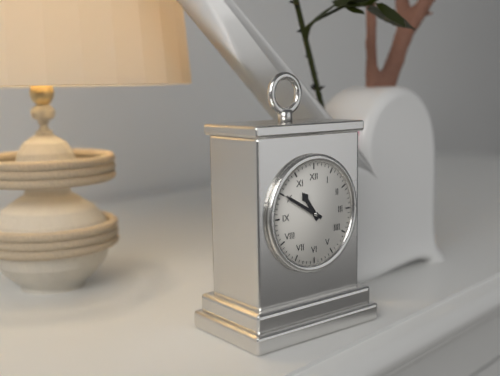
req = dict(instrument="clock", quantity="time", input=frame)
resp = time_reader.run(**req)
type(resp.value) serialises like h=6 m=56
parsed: h=10 m=50
